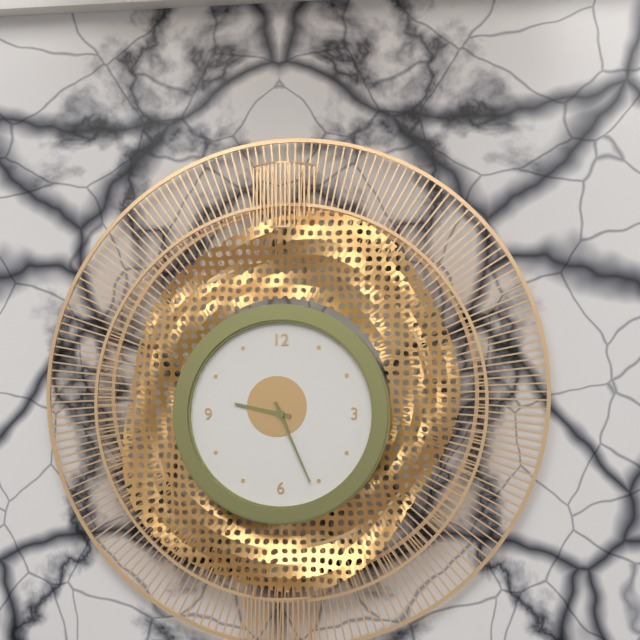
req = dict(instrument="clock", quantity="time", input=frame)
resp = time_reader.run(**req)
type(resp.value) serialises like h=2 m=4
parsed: h=9 m=26
